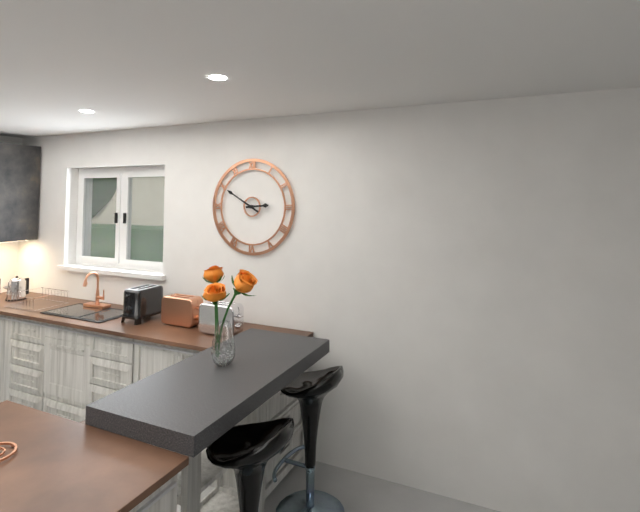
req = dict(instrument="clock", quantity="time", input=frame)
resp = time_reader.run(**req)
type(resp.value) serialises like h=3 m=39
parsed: h=2 m=50
